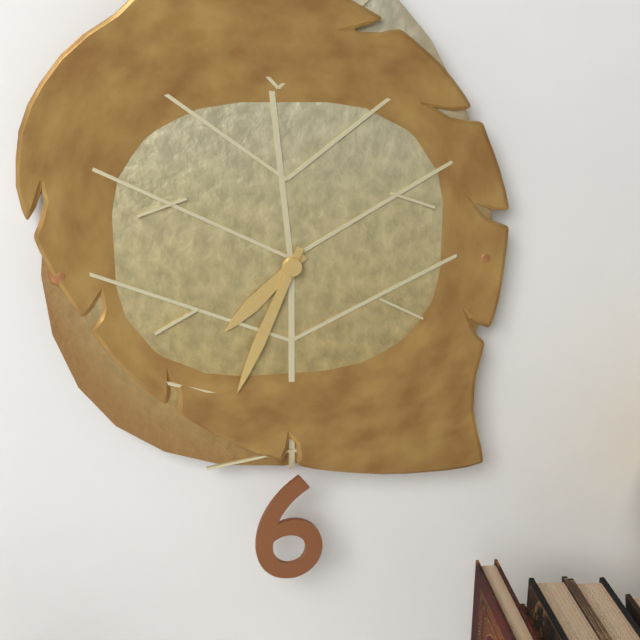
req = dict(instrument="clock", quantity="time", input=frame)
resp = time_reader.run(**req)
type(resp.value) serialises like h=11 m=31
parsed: h=7 m=34
